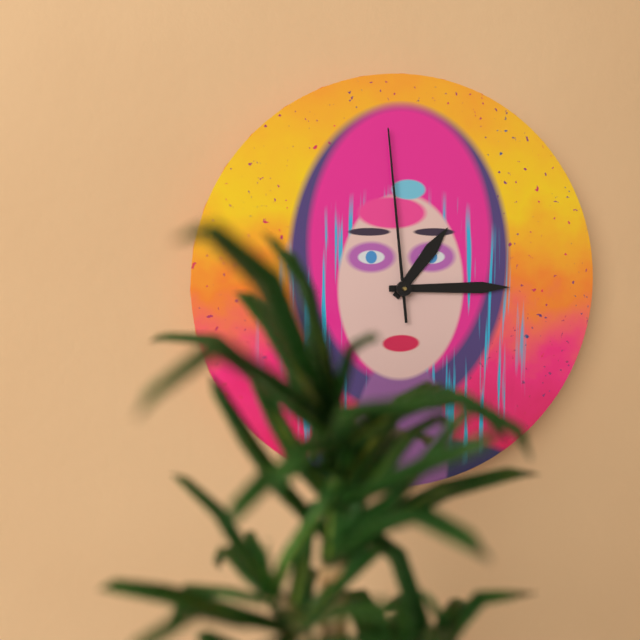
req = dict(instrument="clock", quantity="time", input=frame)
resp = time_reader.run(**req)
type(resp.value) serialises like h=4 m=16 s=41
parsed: h=1 m=15 s=59
